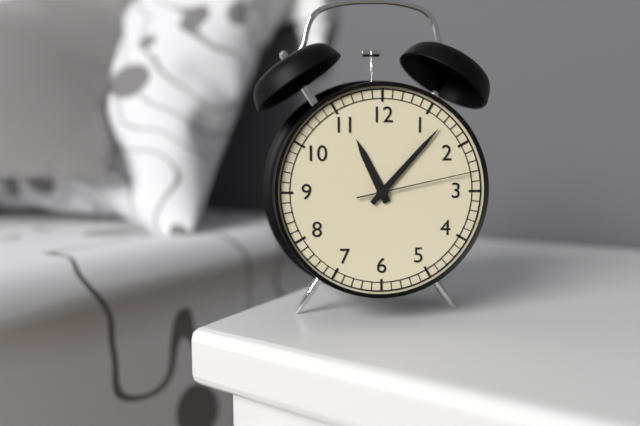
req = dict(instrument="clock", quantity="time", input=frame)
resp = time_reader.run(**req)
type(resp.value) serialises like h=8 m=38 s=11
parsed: h=11 m=7 s=13
